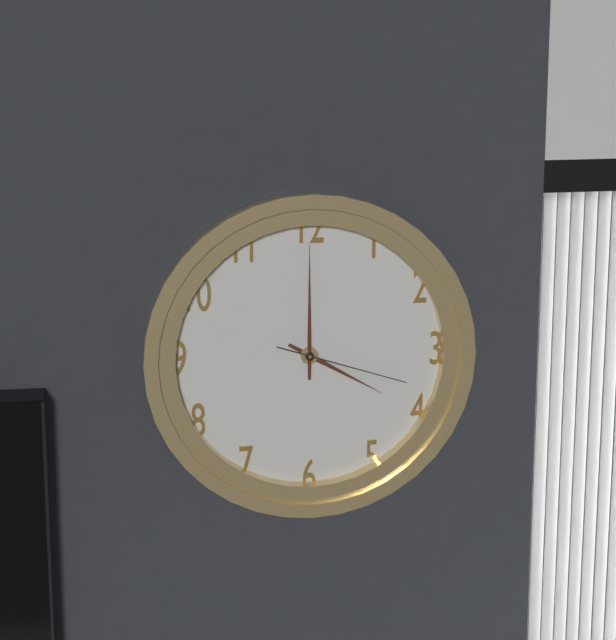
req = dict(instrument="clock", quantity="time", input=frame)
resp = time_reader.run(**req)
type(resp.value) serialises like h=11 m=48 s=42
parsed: h=4 m=0 s=18
